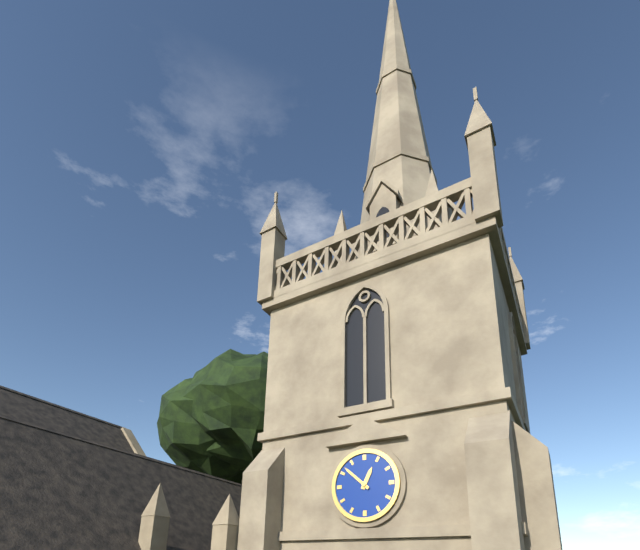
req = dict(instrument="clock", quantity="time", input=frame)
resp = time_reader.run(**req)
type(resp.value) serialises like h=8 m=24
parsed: h=12 m=52
